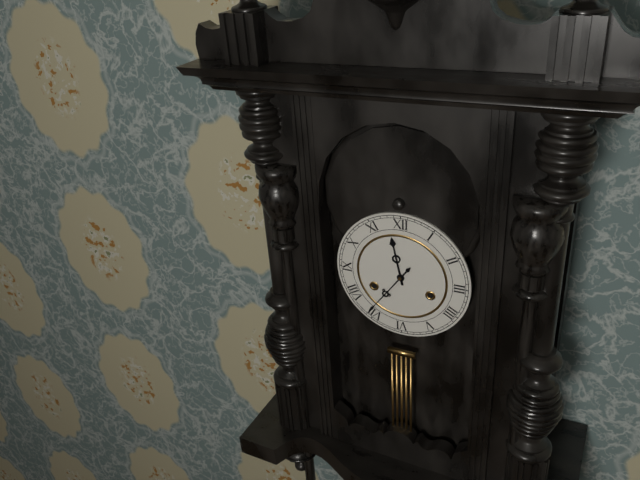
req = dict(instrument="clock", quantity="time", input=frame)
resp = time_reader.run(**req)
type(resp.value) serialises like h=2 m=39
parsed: h=11 m=36
